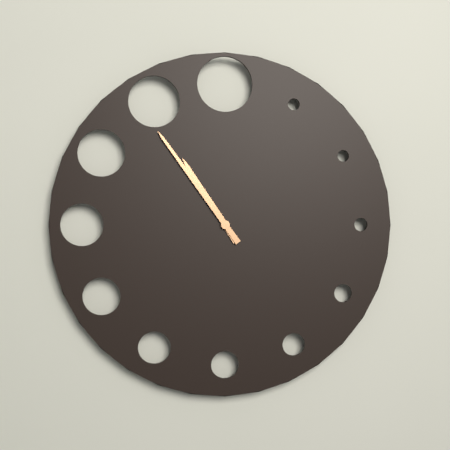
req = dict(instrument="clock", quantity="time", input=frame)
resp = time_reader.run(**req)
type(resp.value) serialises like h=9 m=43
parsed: h=10 m=54
